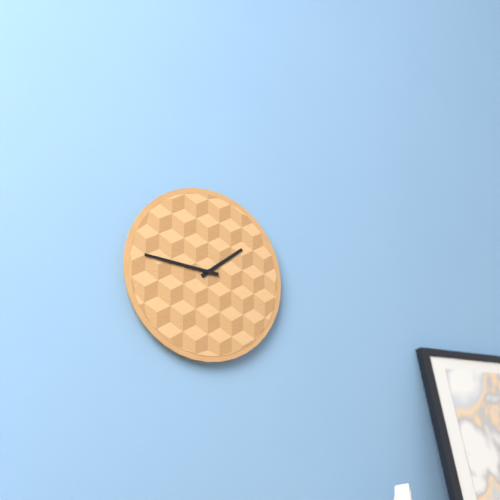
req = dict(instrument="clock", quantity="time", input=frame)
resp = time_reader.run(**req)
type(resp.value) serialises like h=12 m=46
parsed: h=1 m=46
